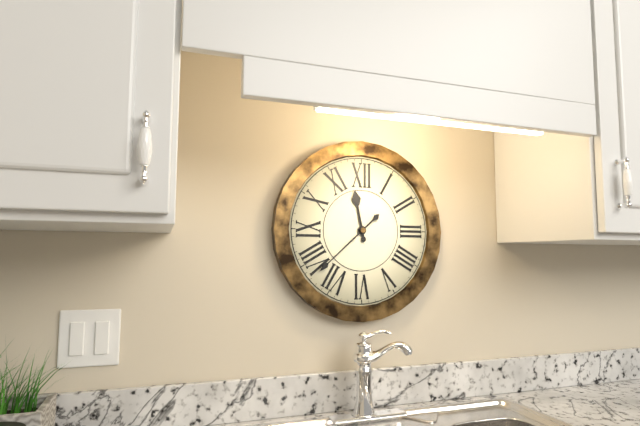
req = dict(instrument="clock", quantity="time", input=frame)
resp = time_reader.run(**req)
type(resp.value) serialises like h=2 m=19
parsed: h=11 m=38
